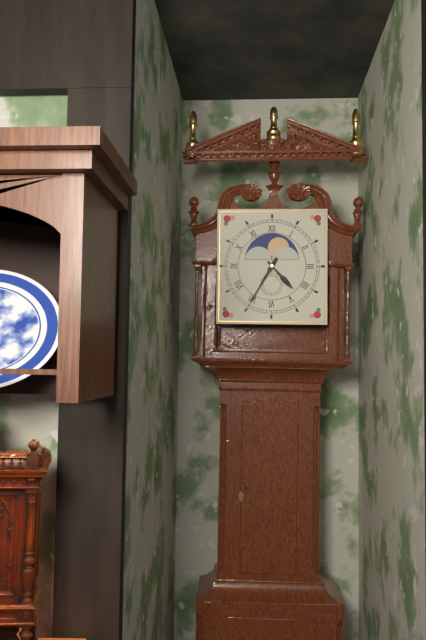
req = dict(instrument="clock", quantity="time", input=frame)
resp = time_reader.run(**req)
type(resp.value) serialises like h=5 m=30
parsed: h=4 m=35
